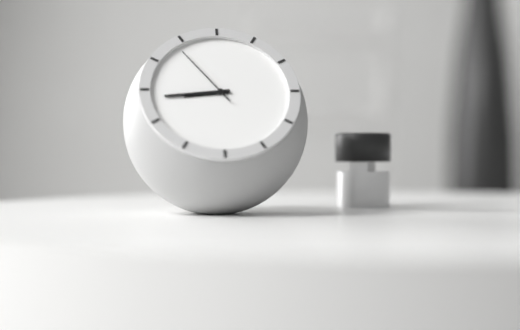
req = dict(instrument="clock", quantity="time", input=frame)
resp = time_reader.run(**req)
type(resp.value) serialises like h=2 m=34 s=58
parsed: h=8 m=44 s=54
